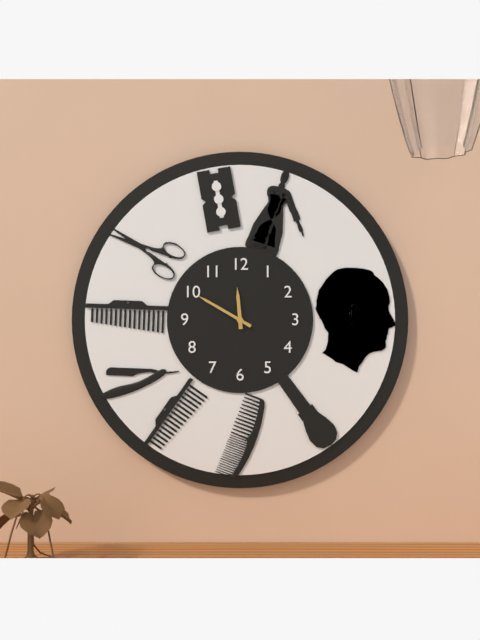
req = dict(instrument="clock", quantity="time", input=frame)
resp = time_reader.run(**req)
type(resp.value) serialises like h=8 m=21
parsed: h=11 m=50
